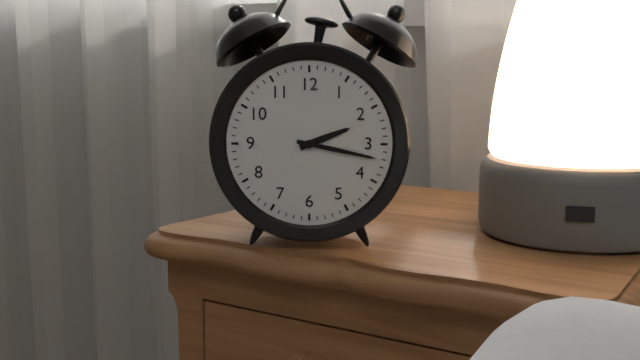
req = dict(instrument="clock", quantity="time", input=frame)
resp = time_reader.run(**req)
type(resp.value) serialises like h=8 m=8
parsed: h=2 m=17
